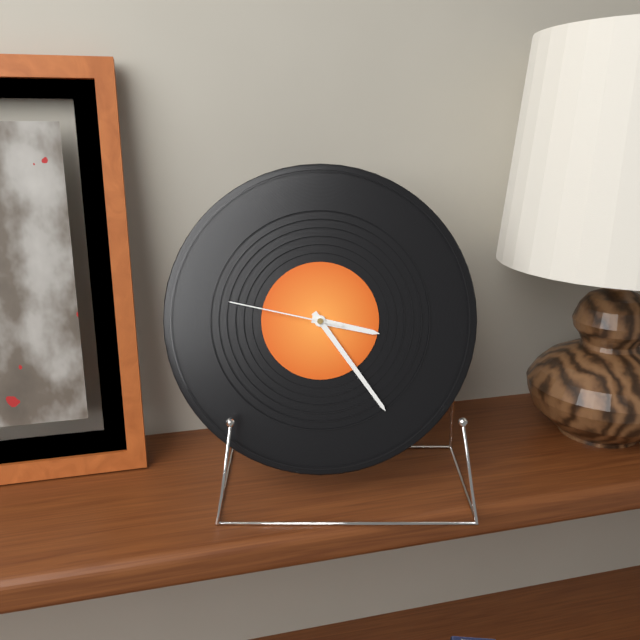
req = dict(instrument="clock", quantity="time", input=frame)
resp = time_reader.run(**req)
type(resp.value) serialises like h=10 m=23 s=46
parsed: h=3 m=24 s=47
